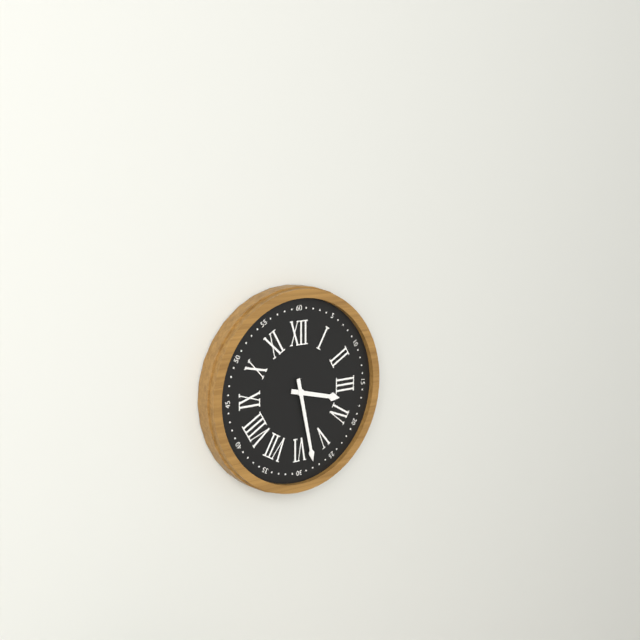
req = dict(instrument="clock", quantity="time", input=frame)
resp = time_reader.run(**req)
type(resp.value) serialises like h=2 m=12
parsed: h=3 m=28
